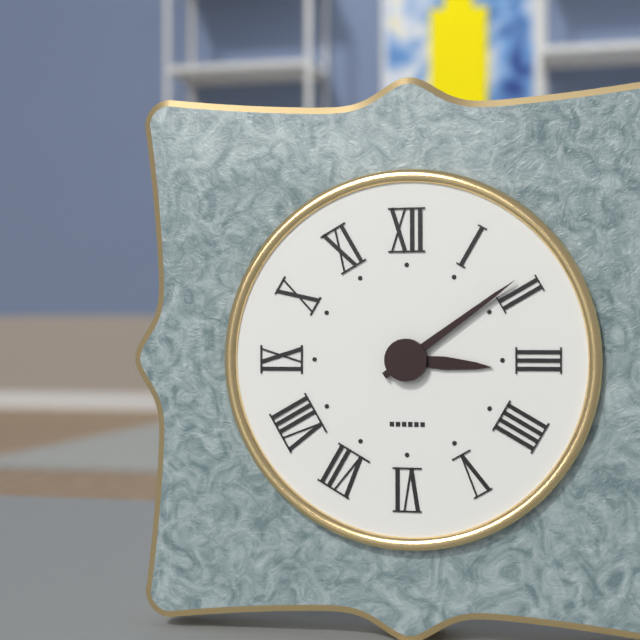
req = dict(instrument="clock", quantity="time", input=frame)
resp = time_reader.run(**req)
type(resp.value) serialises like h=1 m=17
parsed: h=3 m=9
